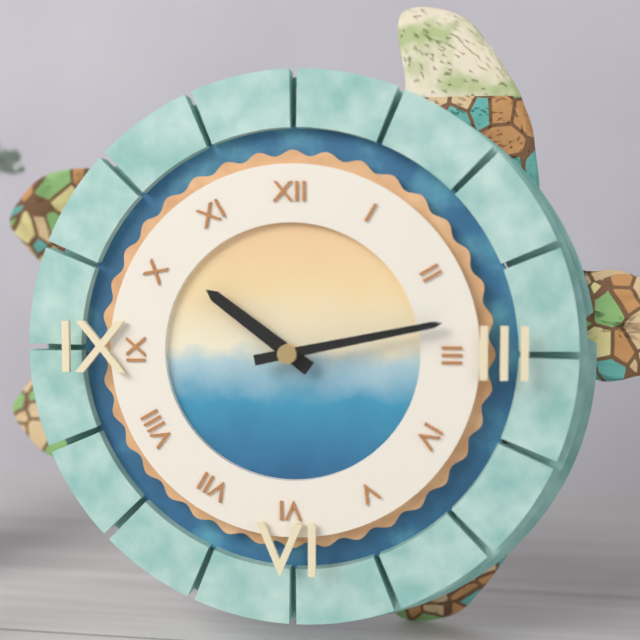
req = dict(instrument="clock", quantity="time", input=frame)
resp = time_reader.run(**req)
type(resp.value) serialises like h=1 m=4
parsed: h=10 m=13
